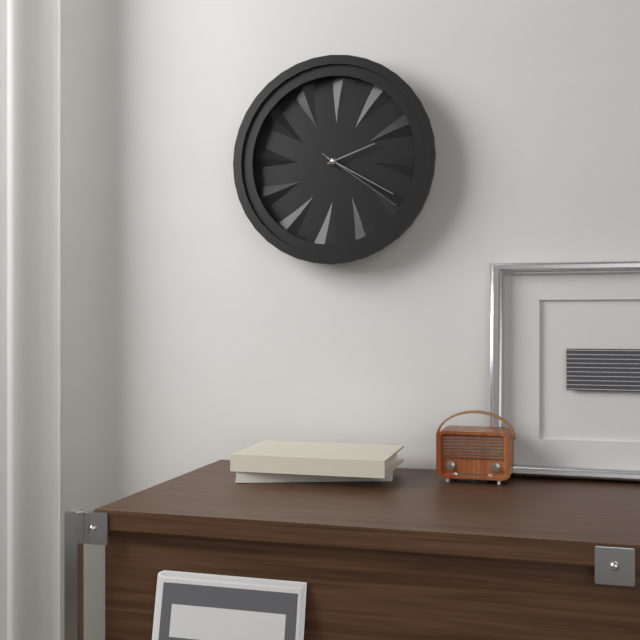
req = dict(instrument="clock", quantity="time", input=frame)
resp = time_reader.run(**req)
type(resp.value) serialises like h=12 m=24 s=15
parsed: h=2 m=20 s=21
